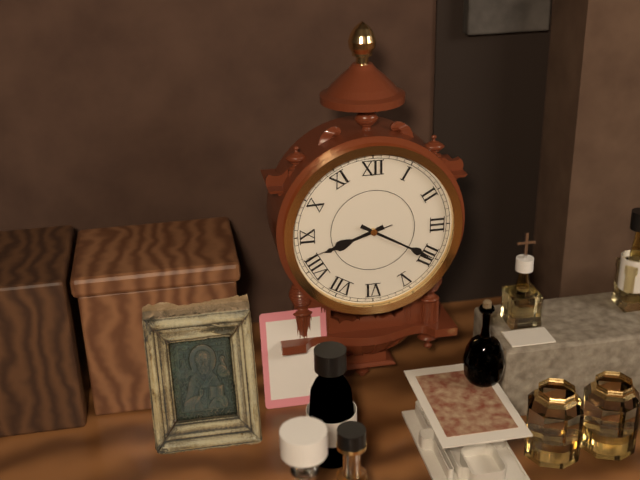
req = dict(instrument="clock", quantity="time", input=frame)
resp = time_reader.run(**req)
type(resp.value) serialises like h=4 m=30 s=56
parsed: h=8 m=20 s=42
